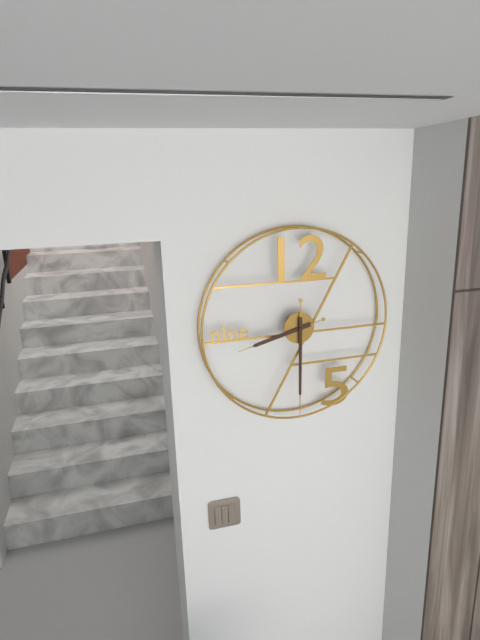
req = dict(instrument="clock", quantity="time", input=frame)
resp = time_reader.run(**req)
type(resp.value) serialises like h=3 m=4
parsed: h=8 m=30
